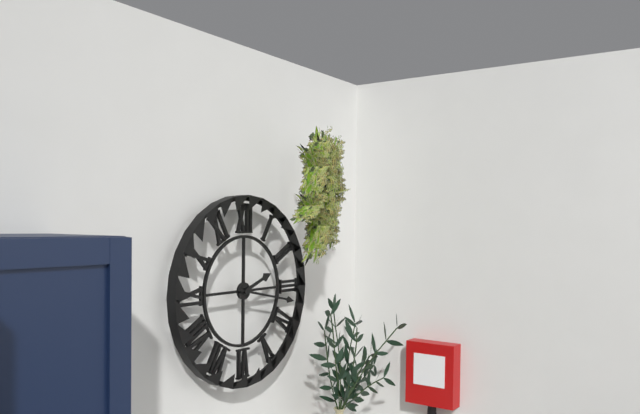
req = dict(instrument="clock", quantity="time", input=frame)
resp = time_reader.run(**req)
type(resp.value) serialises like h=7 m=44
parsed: h=2 m=17
